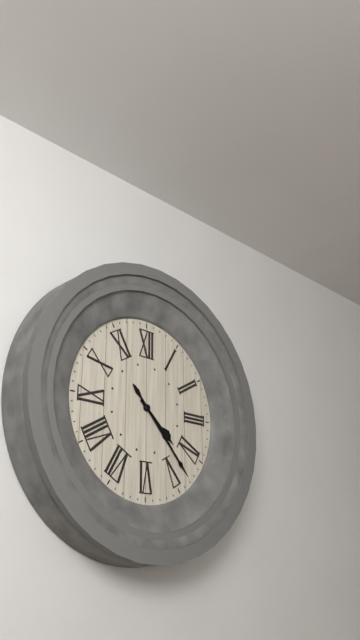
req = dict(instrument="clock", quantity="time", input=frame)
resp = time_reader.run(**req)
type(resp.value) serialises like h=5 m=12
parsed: h=4 m=23
